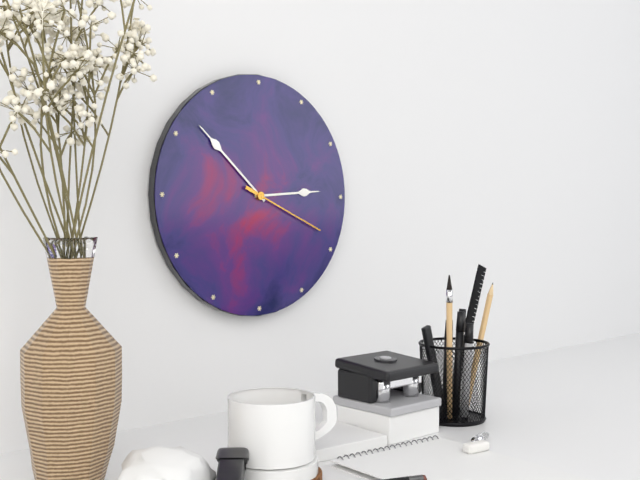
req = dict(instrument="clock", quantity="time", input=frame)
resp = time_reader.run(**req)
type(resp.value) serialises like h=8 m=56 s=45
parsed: h=2 m=52 s=19
